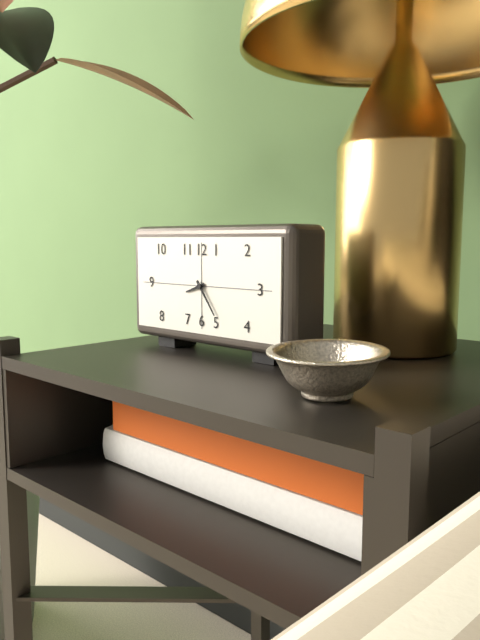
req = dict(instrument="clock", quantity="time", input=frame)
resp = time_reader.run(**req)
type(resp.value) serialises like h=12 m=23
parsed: h=8 m=24
